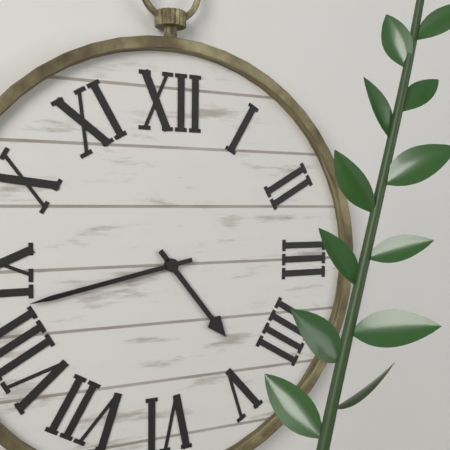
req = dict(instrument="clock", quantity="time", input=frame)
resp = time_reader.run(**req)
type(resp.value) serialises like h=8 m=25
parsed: h=4 m=43
